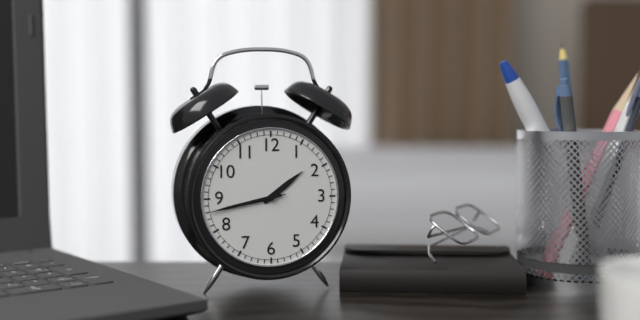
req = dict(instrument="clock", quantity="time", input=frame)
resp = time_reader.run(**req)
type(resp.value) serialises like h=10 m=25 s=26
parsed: h=1 m=43 s=43
